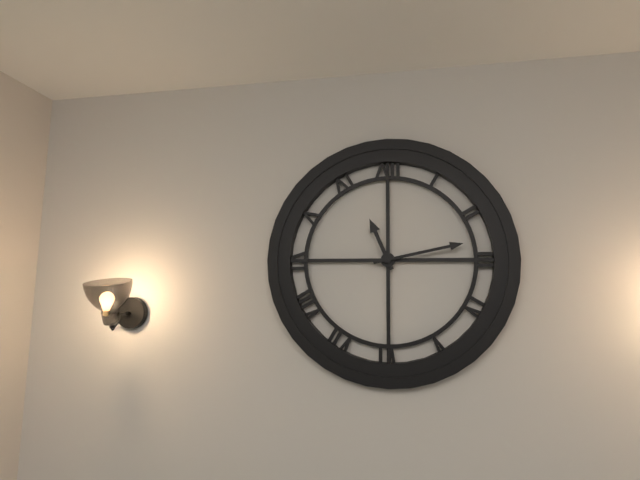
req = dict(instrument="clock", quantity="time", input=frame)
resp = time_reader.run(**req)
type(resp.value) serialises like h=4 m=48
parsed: h=11 m=13
